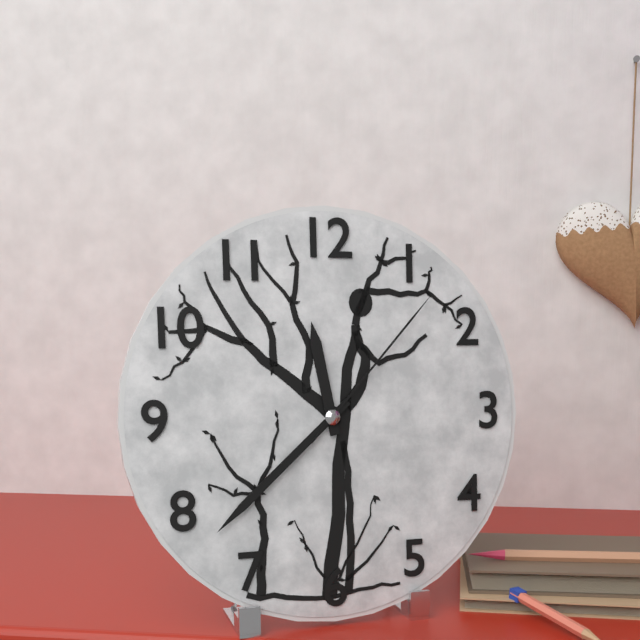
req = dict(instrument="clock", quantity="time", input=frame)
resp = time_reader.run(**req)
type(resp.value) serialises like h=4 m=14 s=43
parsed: h=11 m=38 s=7
